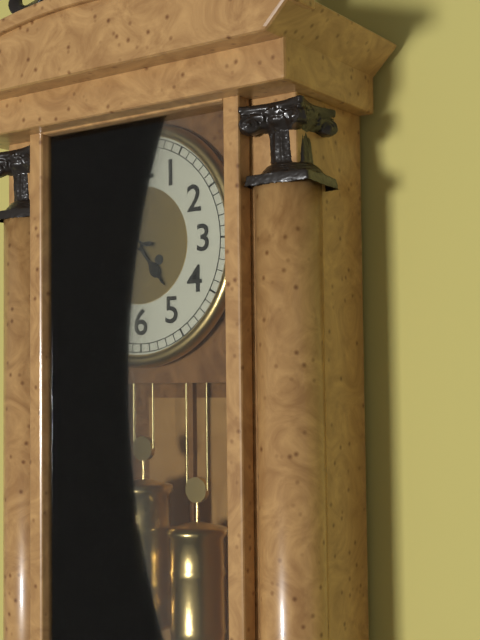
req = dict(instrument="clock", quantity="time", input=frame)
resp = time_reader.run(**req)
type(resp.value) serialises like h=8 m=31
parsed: h=4 m=45
